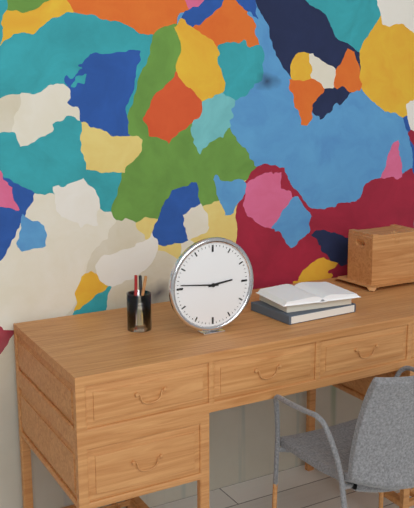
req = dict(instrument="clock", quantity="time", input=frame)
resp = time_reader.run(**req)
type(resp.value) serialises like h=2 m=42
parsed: h=2 m=46
